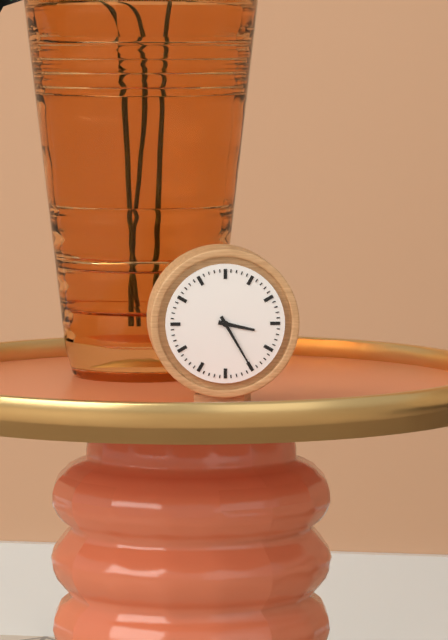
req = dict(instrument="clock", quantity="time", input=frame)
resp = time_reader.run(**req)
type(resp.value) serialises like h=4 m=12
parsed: h=3 m=25
